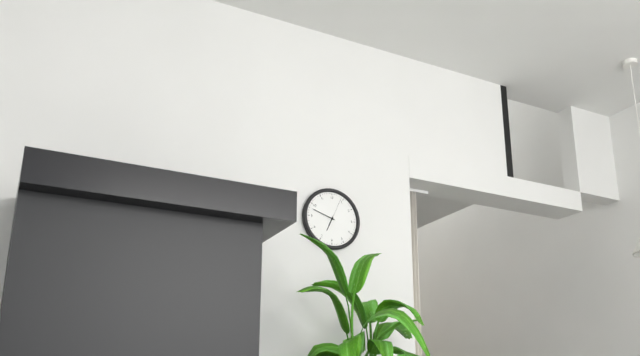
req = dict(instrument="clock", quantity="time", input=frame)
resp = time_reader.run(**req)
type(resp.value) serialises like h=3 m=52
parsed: h=6 m=48
